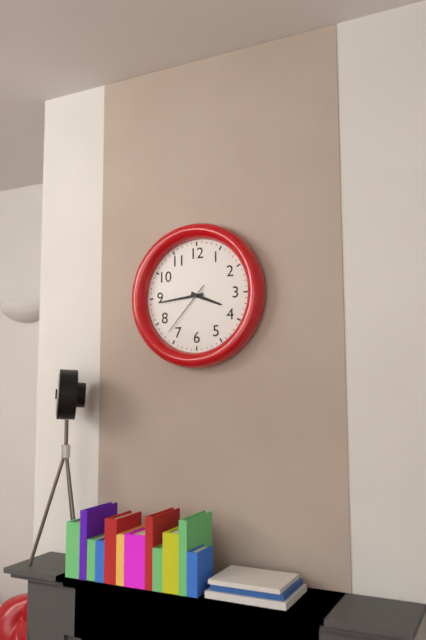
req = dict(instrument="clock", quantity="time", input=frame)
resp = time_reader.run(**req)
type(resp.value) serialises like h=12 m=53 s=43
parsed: h=3 m=44 s=37
